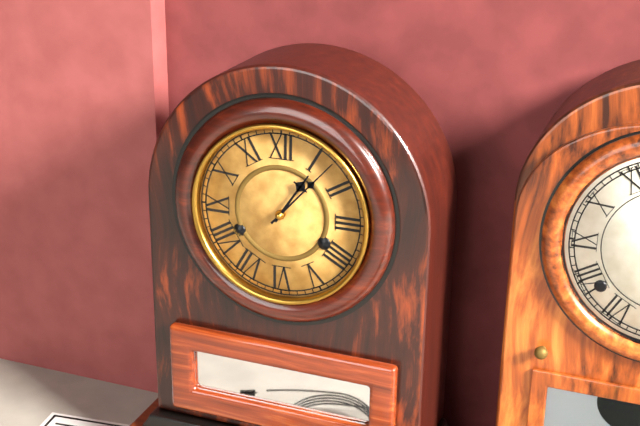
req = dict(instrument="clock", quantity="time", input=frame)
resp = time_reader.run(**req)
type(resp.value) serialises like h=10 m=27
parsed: h=1 m=7
